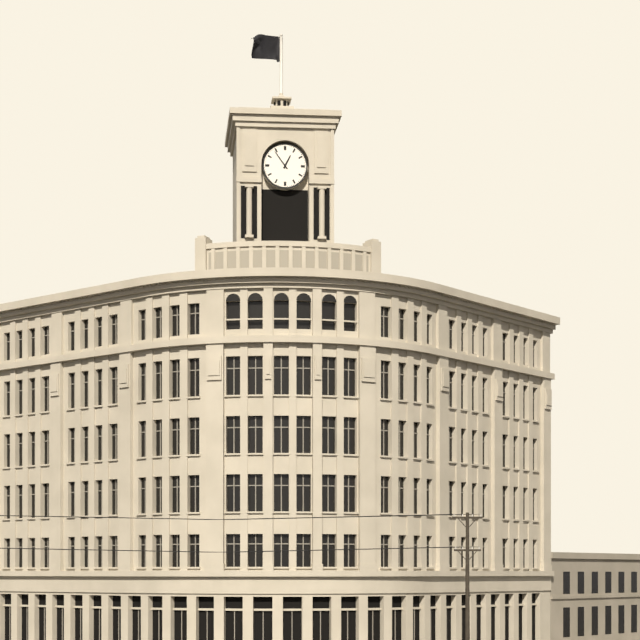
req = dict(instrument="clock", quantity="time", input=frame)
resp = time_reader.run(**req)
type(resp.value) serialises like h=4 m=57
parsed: h=12 m=54
